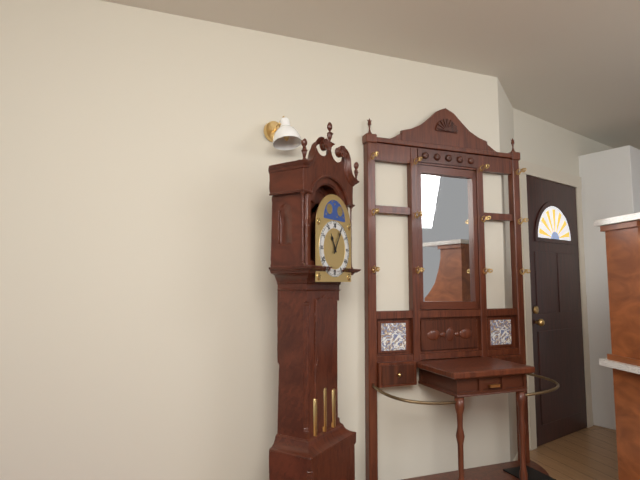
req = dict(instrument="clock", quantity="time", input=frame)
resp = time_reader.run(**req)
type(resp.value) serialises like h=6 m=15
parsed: h=11 m=5
